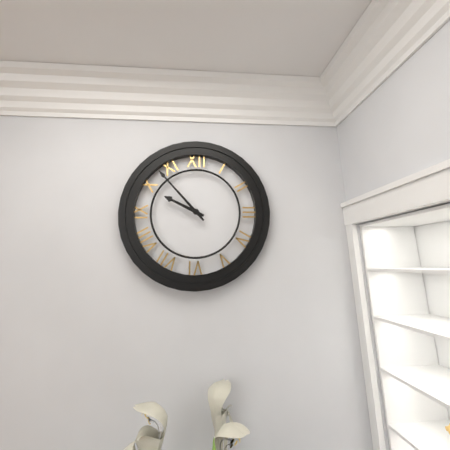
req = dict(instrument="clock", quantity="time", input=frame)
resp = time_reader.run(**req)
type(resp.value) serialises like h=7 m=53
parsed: h=9 m=53
